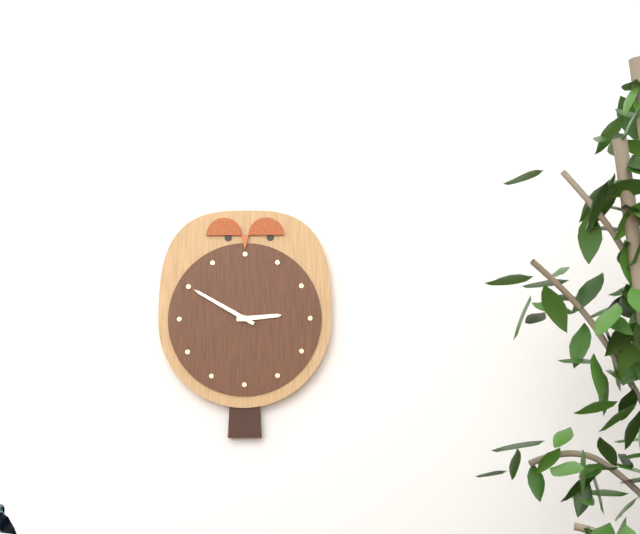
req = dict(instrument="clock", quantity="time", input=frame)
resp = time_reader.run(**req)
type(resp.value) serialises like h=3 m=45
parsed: h=2 m=50
